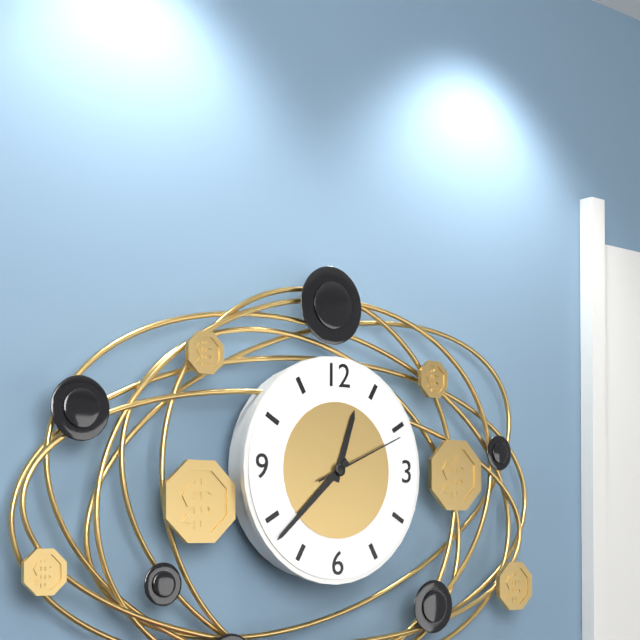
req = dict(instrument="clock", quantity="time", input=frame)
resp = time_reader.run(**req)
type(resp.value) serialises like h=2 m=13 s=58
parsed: h=12 m=38 s=11
